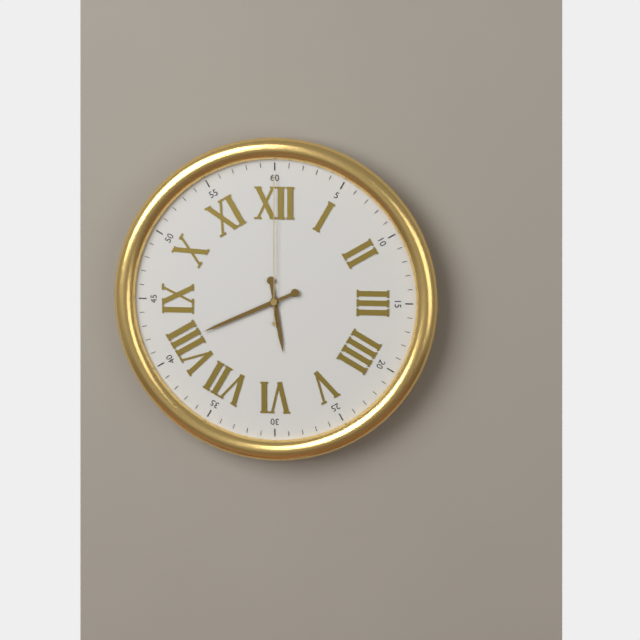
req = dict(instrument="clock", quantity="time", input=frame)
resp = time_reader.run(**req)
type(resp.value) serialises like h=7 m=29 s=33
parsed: h=5 m=41 s=0
